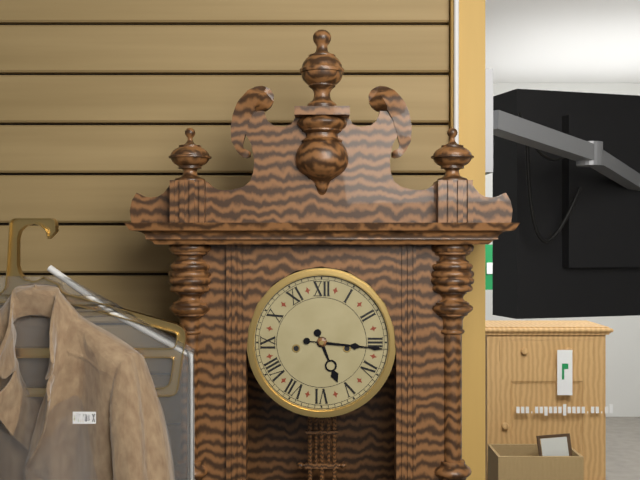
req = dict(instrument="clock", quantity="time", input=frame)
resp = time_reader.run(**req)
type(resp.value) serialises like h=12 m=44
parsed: h=5 m=16
